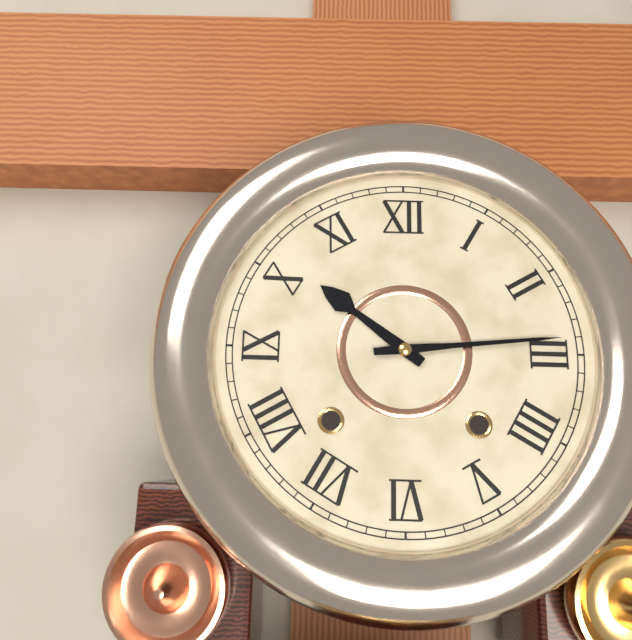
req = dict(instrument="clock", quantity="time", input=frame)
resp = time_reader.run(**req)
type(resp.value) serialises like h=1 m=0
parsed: h=10 m=14
